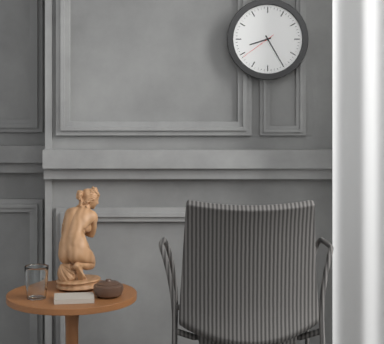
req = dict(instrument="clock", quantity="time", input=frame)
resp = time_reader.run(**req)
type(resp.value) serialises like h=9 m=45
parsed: h=8 m=25
